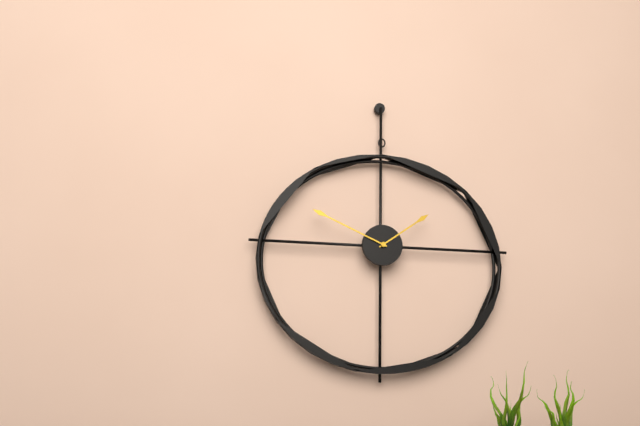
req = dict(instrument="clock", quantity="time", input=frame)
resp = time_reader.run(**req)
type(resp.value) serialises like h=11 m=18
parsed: h=1 m=49
